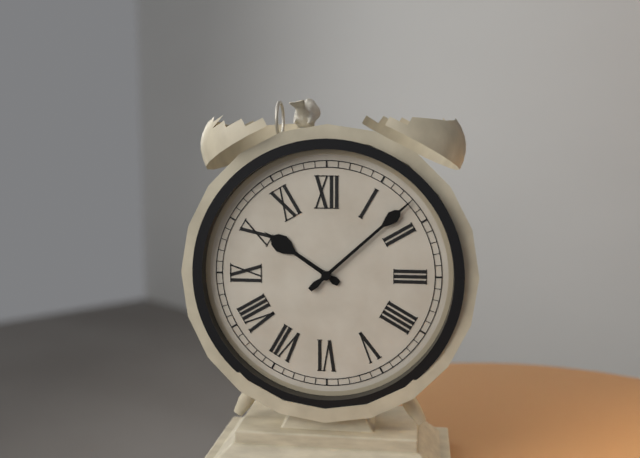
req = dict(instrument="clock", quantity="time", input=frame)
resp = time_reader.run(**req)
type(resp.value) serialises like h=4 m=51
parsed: h=10 m=8
